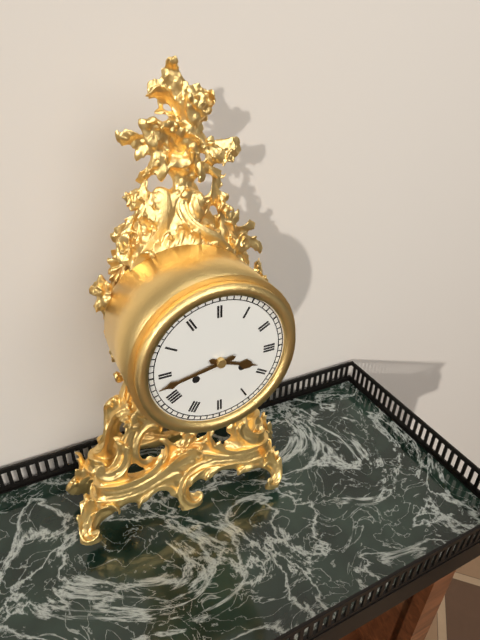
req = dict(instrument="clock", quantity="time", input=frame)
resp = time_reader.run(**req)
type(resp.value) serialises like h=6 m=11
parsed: h=3 m=43
